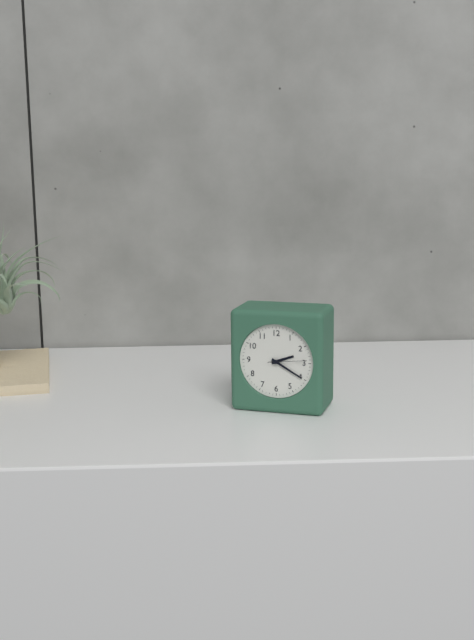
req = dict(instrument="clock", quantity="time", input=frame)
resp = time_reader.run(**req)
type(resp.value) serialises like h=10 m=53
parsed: h=2 m=20
